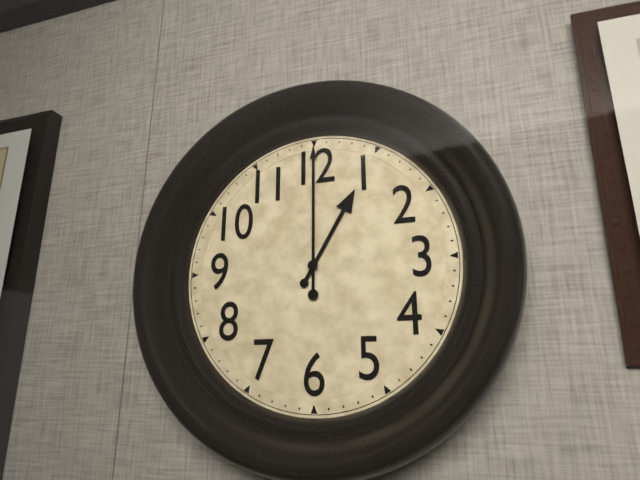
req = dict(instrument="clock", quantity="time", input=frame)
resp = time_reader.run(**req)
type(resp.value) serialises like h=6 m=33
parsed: h=1 m=0
